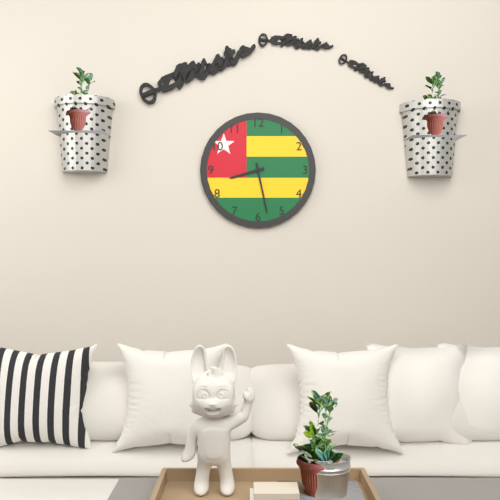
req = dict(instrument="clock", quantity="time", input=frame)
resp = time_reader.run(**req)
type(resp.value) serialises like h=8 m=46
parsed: h=8 m=28
